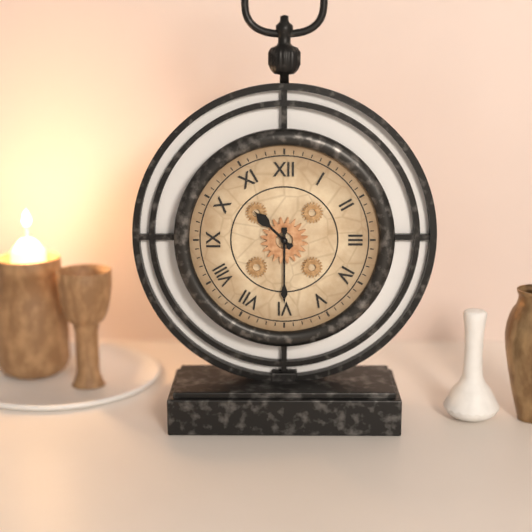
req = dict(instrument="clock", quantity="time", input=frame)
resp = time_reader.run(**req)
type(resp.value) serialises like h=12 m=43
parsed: h=10 m=30
